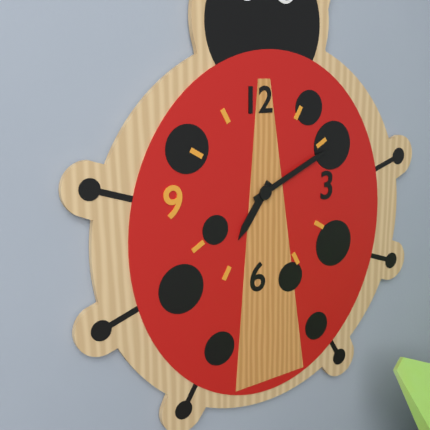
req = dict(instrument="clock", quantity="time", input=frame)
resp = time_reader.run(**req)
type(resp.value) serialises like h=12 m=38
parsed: h=7 m=11
